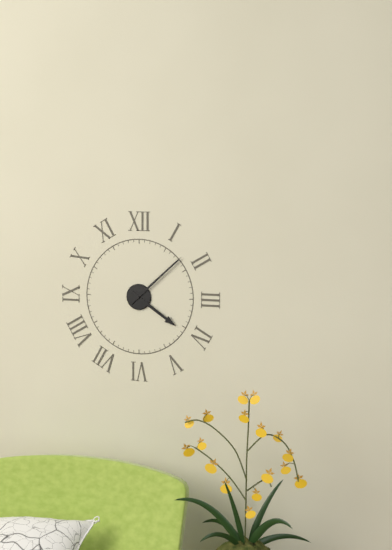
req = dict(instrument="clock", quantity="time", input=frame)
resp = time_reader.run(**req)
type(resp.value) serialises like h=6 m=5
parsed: h=4 m=8
